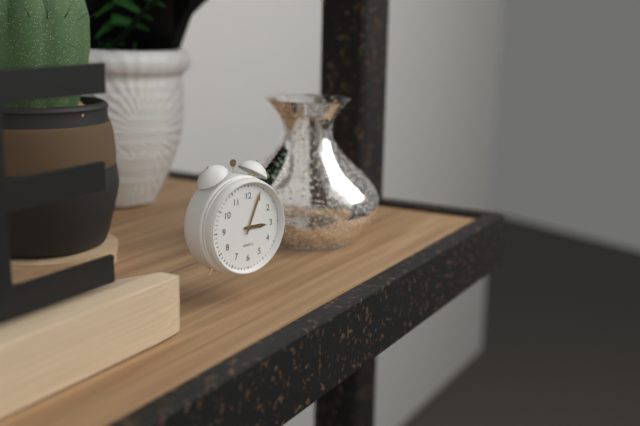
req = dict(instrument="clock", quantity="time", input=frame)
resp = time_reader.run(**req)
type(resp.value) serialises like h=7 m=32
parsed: h=3 m=4
